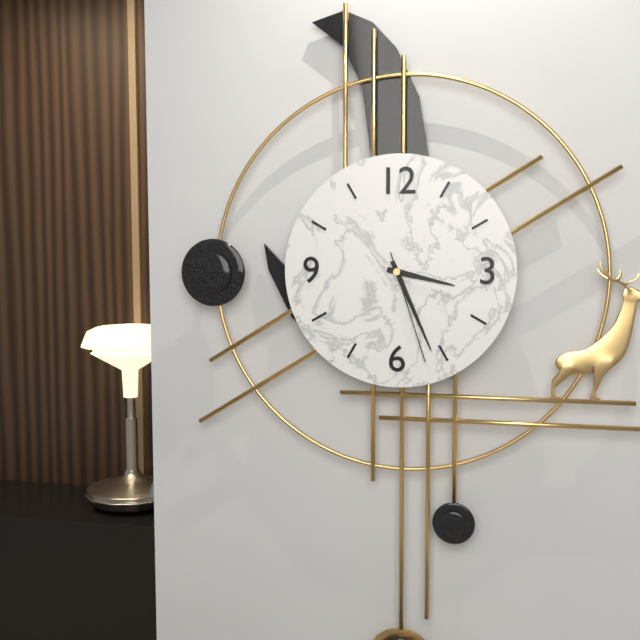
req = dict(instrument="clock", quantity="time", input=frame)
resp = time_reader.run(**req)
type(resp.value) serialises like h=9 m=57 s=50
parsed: h=3 m=26 s=27
